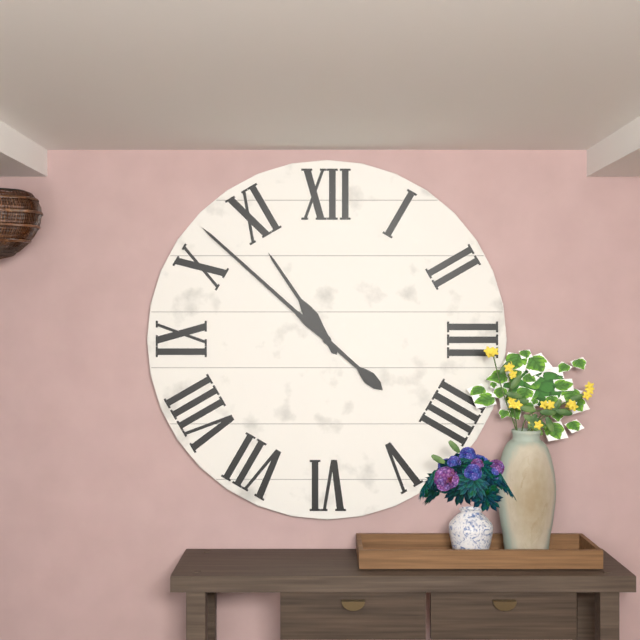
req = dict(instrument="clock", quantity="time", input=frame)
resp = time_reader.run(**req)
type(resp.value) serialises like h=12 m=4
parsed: h=10 m=52
